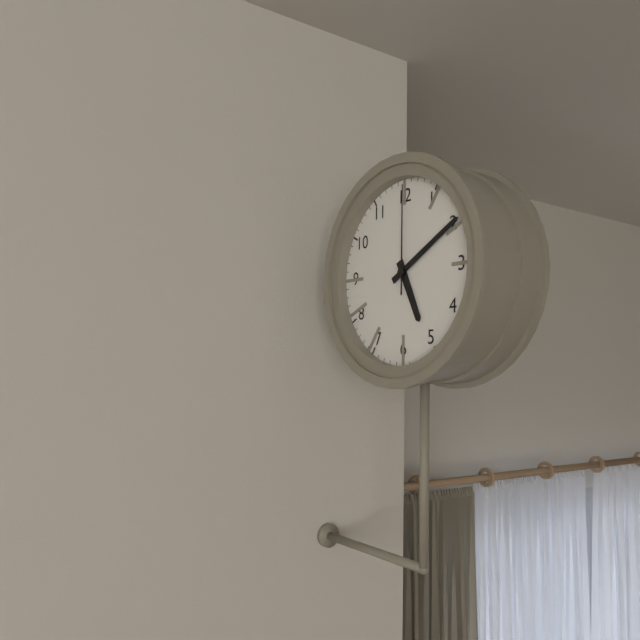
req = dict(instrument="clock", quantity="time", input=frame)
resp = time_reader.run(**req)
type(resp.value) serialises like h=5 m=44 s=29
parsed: h=5 m=10 s=0
